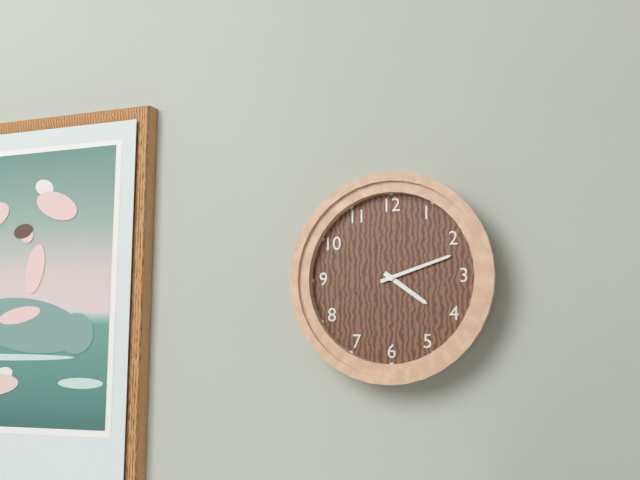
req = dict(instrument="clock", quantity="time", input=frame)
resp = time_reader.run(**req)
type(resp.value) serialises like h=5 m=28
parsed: h=4 m=12
